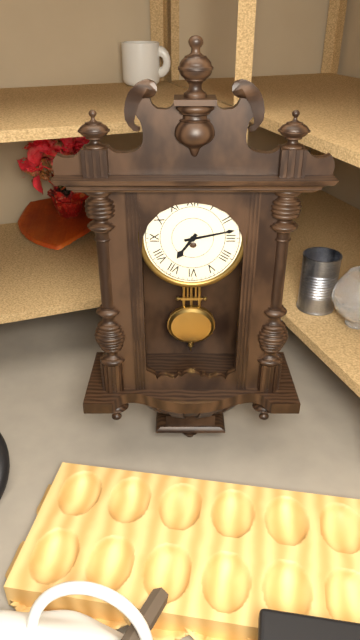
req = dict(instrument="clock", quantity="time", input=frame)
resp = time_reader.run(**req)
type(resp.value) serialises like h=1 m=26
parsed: h=7 m=13
